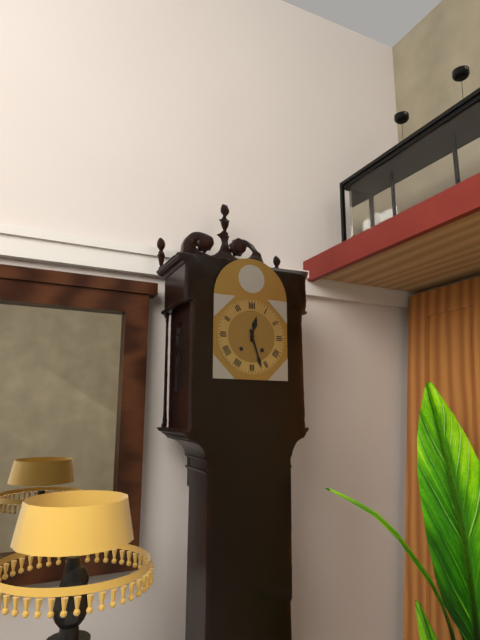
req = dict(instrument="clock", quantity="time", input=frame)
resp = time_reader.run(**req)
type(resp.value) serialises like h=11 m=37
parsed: h=12 m=27
